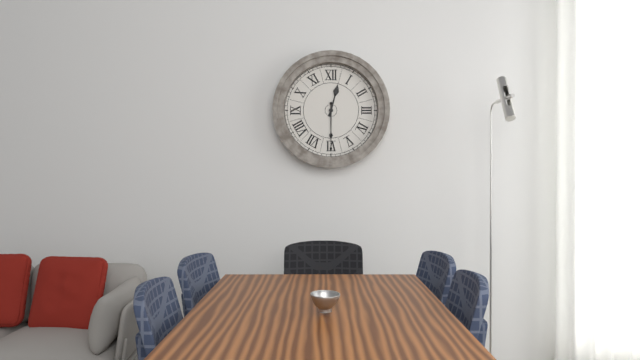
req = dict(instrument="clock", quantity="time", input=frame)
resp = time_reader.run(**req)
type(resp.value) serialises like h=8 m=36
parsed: h=12 m=30
